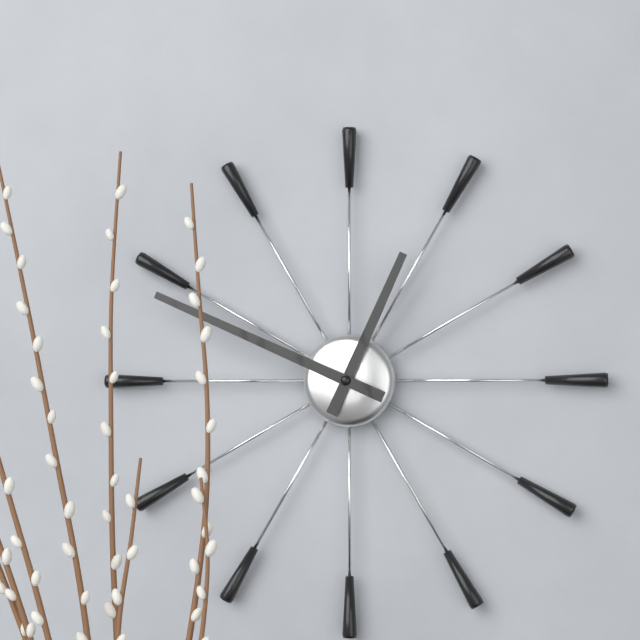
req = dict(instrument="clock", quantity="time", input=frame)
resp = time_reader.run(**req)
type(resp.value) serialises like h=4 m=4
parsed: h=12 m=49
